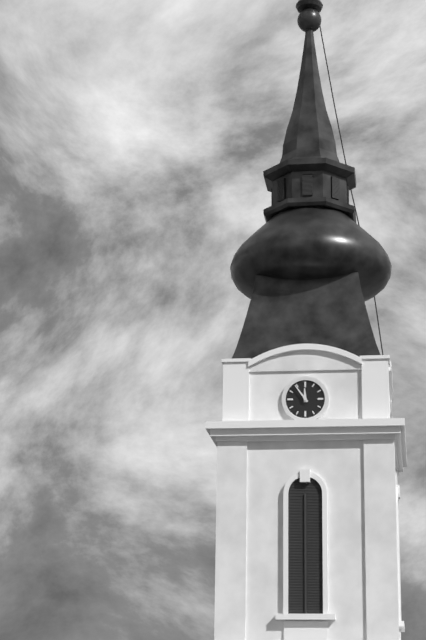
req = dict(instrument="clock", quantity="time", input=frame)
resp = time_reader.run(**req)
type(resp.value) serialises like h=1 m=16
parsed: h=11 m=54
